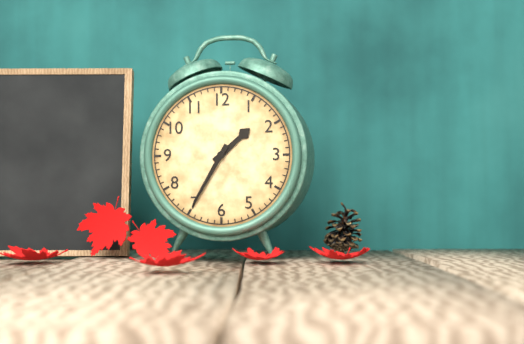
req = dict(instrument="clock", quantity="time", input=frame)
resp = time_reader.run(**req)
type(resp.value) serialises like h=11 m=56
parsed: h=1 m=35
